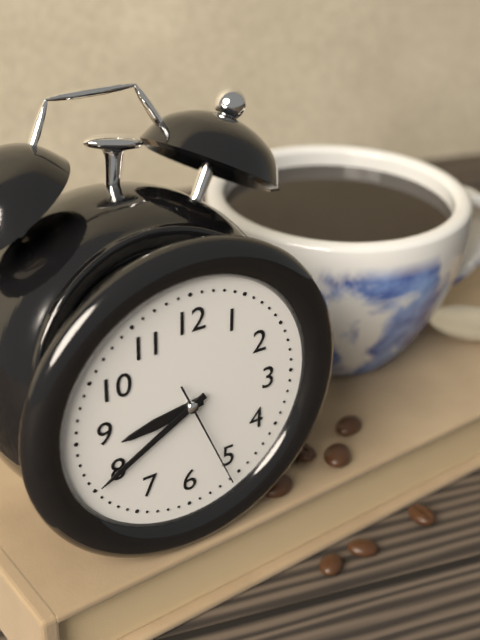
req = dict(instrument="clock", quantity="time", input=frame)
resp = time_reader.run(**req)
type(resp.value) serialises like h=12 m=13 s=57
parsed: h=8 m=40 s=26
